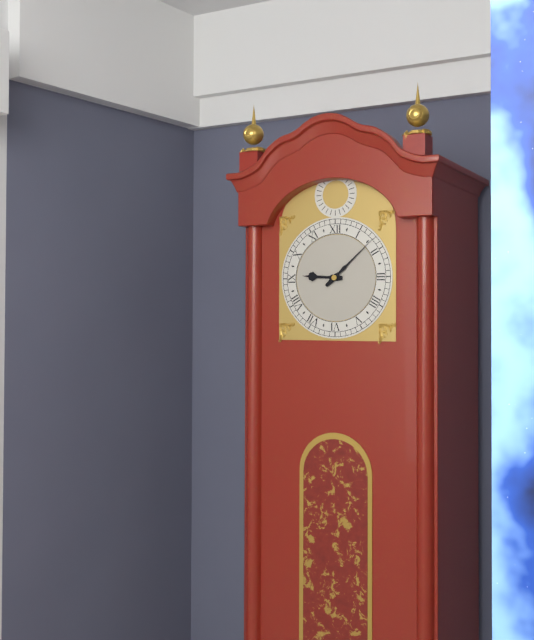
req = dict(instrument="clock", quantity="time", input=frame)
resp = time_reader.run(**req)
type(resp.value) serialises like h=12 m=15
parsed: h=9 m=8
